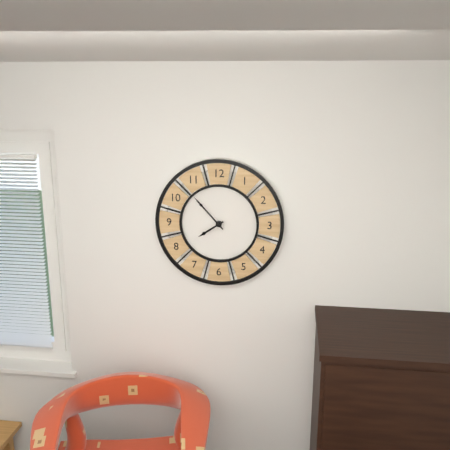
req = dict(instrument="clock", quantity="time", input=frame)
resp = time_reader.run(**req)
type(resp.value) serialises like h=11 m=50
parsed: h=7 m=53
